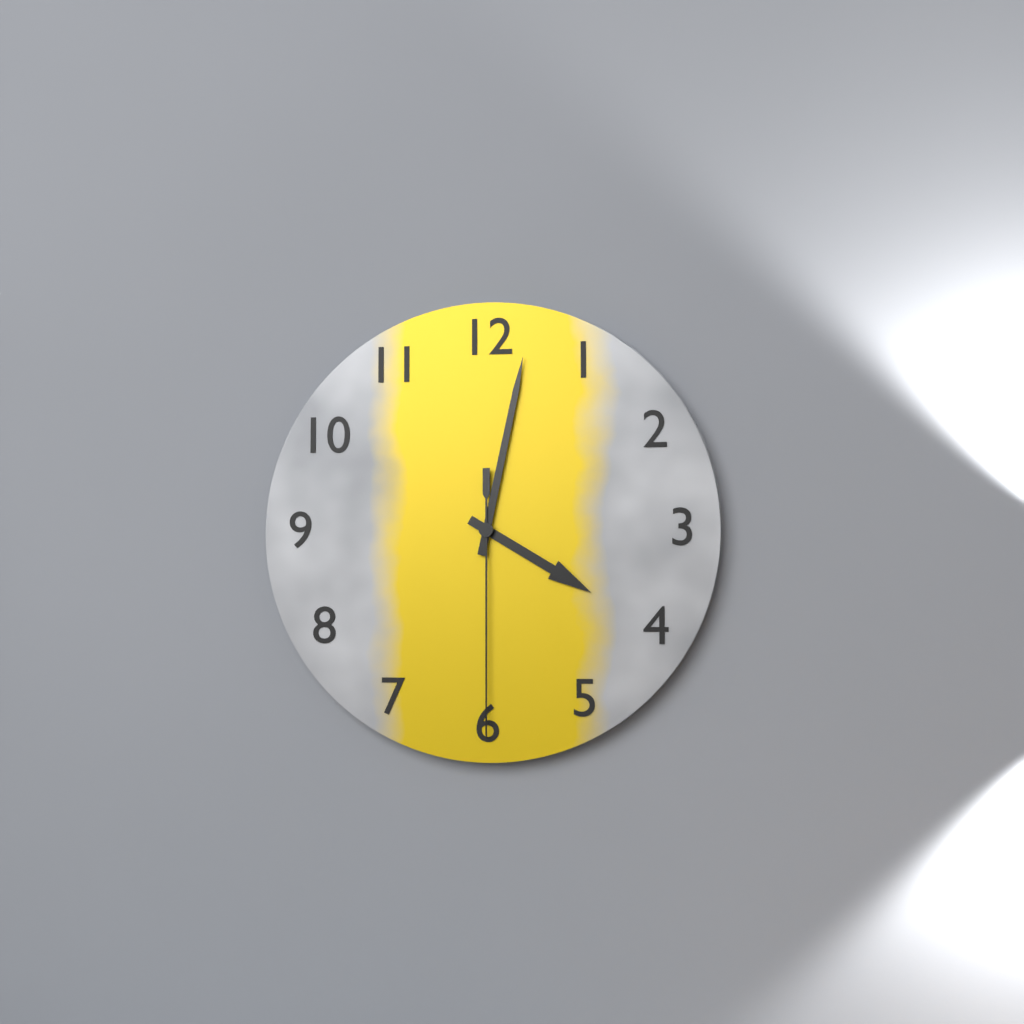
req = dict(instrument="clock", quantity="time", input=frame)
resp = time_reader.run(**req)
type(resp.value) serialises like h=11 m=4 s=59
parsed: h=4 m=2 s=30
